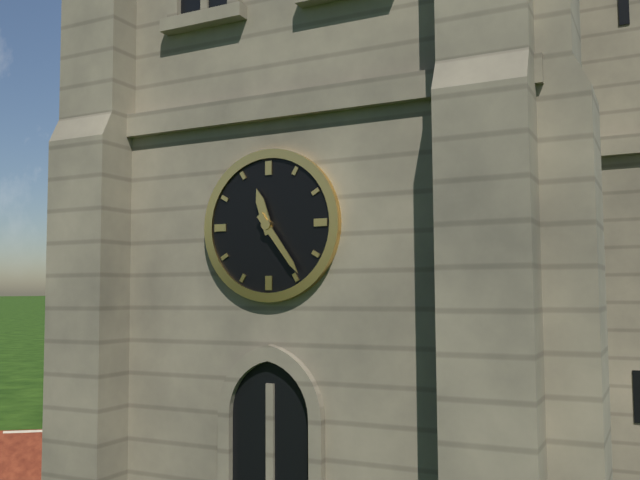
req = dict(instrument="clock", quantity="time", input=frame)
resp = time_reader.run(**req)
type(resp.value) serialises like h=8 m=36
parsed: h=11 m=24
